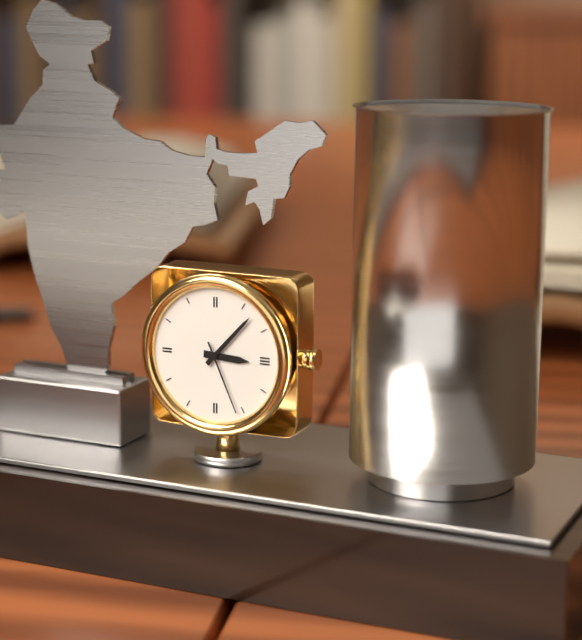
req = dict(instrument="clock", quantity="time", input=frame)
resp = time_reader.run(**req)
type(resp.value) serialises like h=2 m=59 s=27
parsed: h=3 m=7 s=26
